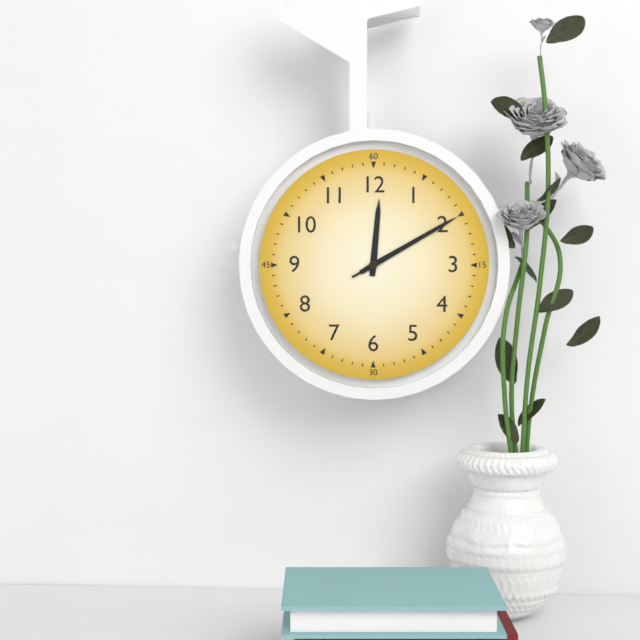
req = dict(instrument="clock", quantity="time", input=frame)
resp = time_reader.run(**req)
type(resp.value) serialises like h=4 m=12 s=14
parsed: h=12 m=10 s=10
